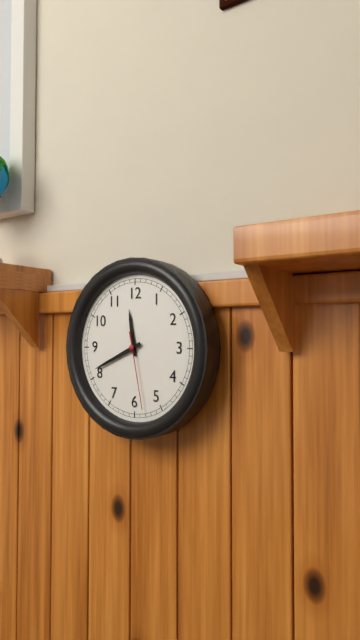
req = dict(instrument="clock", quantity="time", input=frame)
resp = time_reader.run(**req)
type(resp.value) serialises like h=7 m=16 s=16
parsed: h=11 m=41 s=28
